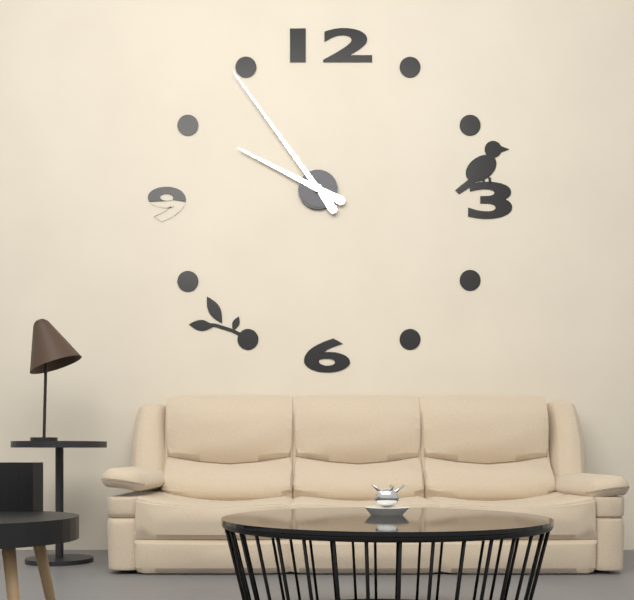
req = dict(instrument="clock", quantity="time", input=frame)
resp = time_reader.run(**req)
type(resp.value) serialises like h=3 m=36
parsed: h=9 m=54
